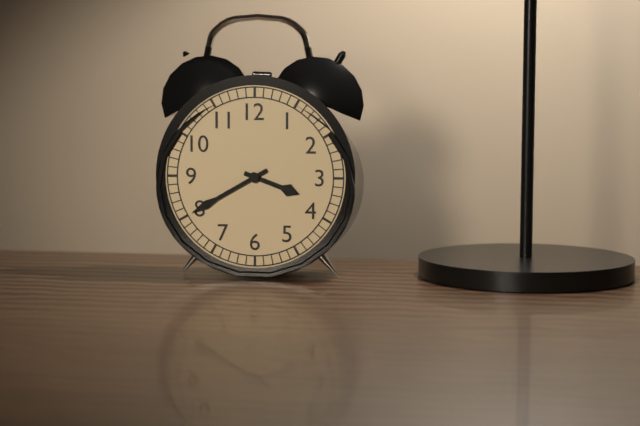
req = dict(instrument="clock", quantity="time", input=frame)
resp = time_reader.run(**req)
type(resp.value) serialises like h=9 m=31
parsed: h=3 m=40
